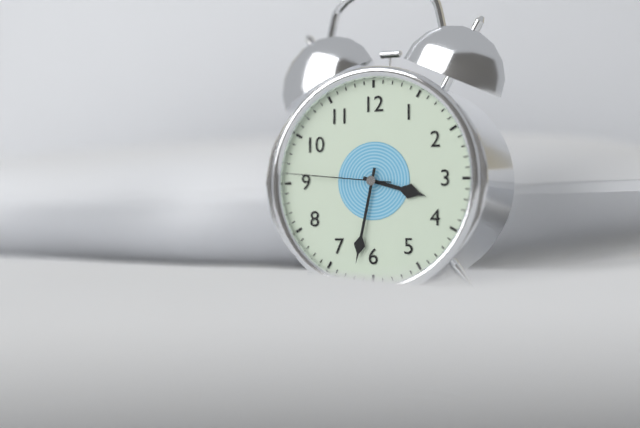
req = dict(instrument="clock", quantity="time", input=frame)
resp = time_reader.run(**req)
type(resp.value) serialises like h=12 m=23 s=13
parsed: h=3 m=32 s=46
